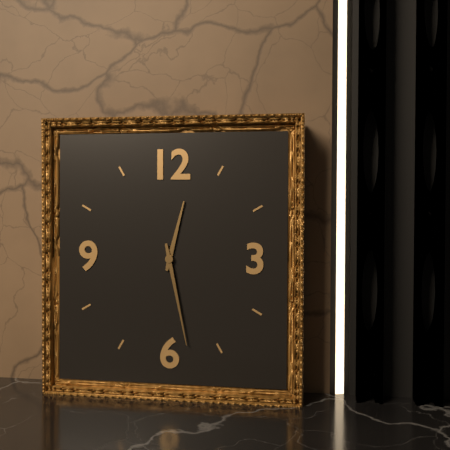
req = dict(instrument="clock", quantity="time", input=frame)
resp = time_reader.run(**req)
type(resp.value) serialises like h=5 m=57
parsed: h=12 m=28
